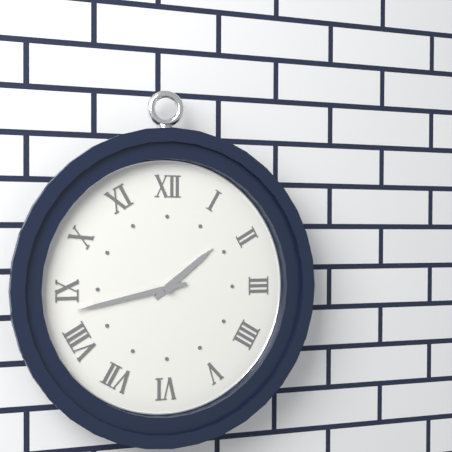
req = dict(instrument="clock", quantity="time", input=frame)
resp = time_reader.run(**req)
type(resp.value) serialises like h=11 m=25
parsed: h=1 m=43
